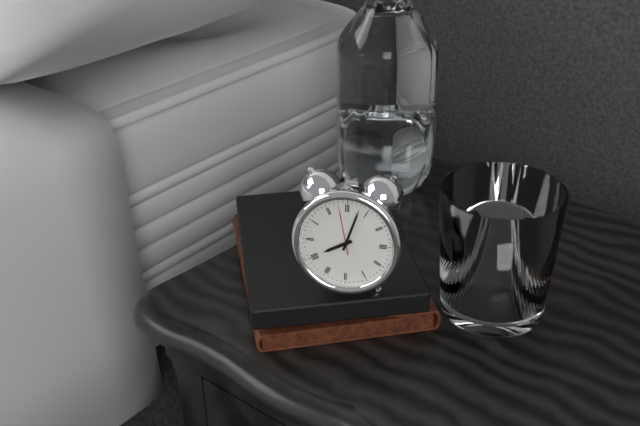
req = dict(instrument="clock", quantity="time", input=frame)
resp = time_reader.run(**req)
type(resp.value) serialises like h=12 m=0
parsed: h=8 m=3
